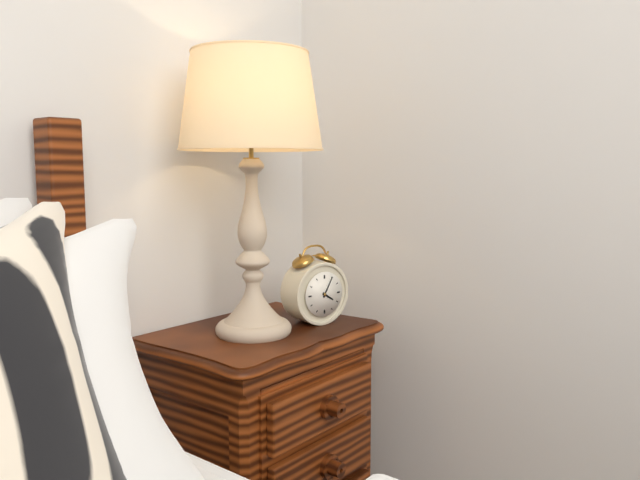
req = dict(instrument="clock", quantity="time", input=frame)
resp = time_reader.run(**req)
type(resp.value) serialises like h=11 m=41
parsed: h=4 m=5
